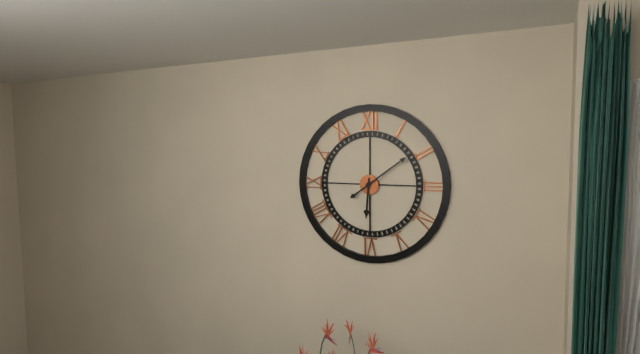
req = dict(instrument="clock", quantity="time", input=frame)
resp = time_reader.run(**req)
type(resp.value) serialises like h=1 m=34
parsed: h=6 m=9
